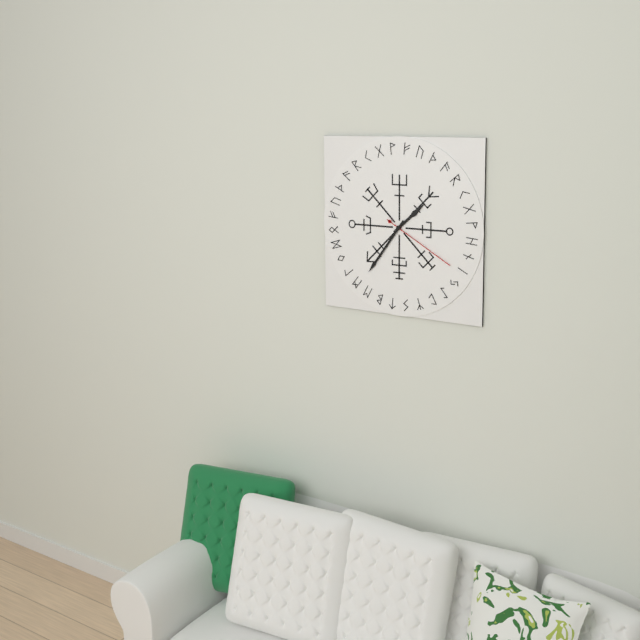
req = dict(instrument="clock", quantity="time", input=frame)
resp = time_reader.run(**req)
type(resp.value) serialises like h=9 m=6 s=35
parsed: h=1 m=36 s=20
